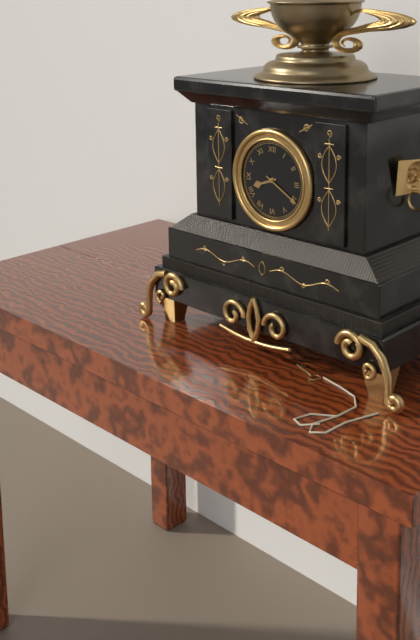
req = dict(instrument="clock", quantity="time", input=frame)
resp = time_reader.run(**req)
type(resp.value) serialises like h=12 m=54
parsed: h=8 m=20
